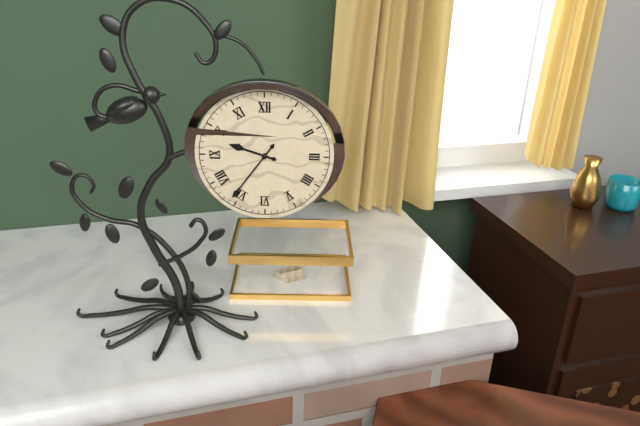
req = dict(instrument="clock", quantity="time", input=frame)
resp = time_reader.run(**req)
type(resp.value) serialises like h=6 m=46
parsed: h=9 m=36
